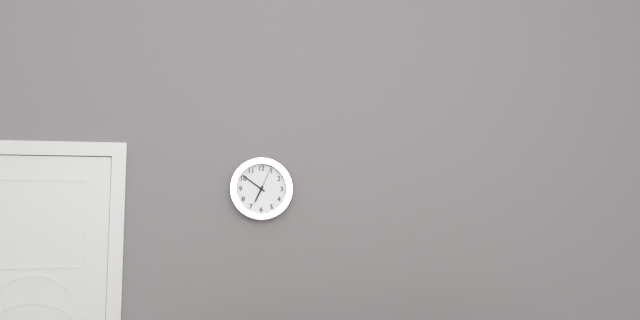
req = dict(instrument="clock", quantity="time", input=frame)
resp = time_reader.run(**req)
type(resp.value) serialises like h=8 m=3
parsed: h=6 m=51
